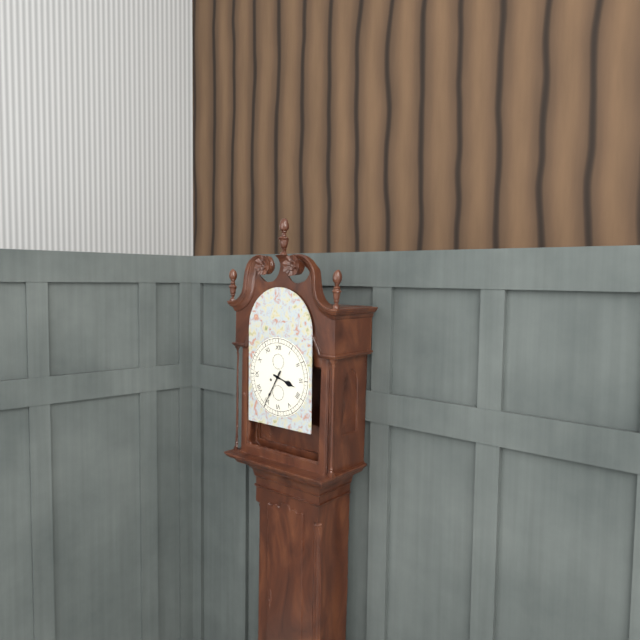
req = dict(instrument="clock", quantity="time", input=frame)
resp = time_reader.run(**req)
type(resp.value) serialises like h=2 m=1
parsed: h=3 m=35
